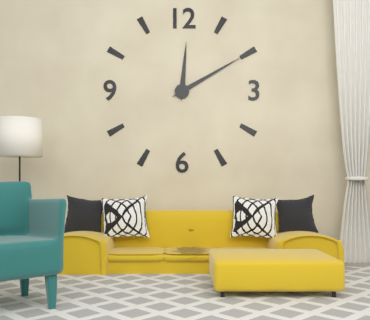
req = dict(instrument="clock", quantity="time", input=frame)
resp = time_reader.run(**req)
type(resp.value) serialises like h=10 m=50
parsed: h=12 m=10
